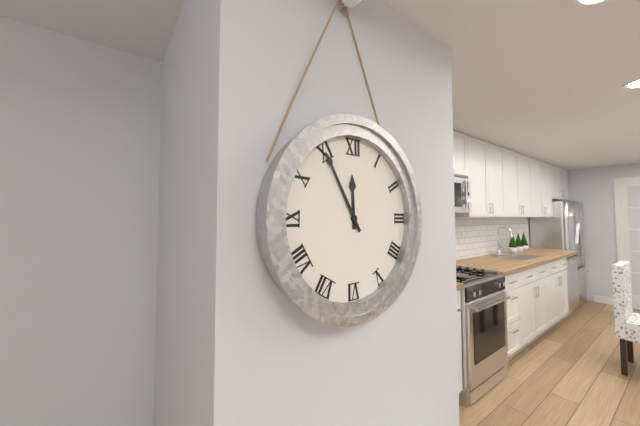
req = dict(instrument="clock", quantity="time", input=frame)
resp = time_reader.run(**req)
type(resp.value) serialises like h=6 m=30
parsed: h=11 m=55
